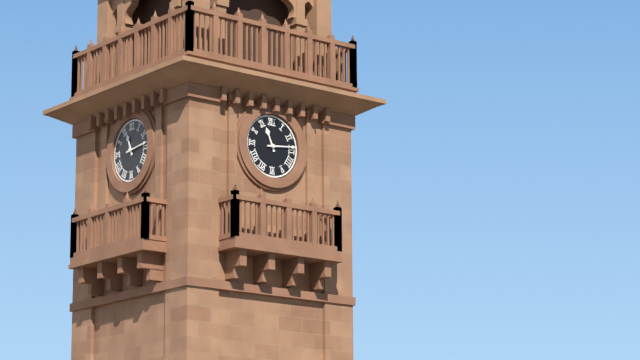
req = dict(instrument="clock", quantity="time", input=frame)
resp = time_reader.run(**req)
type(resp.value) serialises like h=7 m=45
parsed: h=11 m=14
